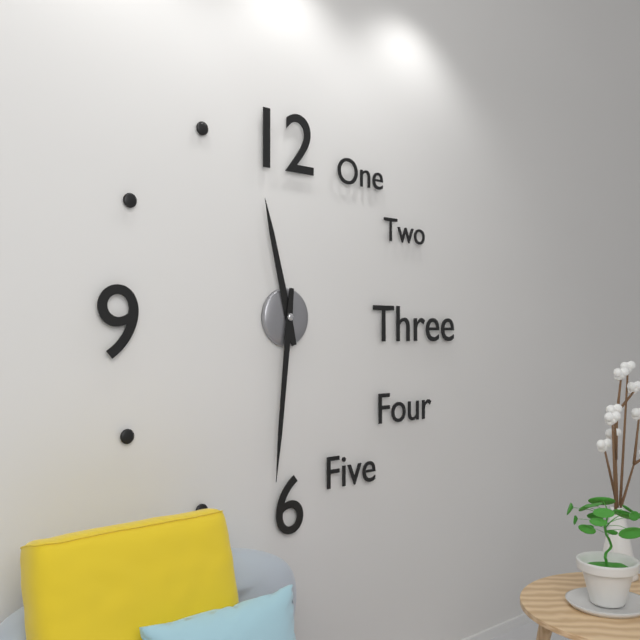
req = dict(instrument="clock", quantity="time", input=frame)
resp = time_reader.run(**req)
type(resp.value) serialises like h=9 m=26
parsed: h=11 m=31
